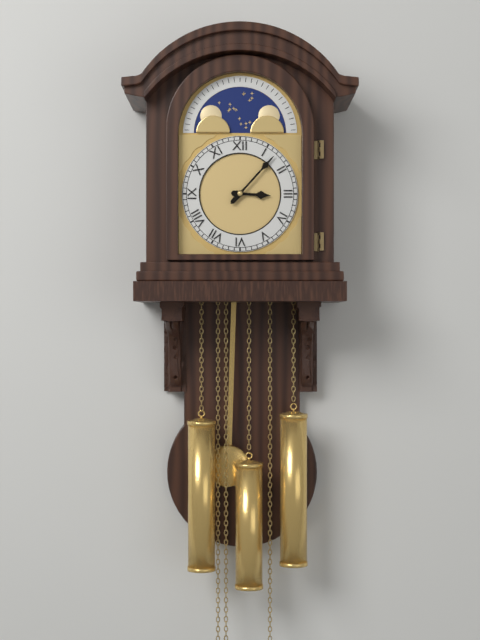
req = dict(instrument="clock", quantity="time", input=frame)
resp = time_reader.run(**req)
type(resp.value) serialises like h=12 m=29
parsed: h=3 m=7
